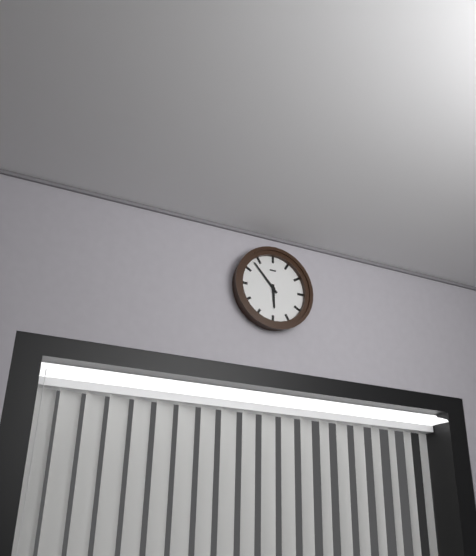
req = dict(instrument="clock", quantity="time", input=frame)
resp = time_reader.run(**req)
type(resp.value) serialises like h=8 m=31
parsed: h=5 m=53
